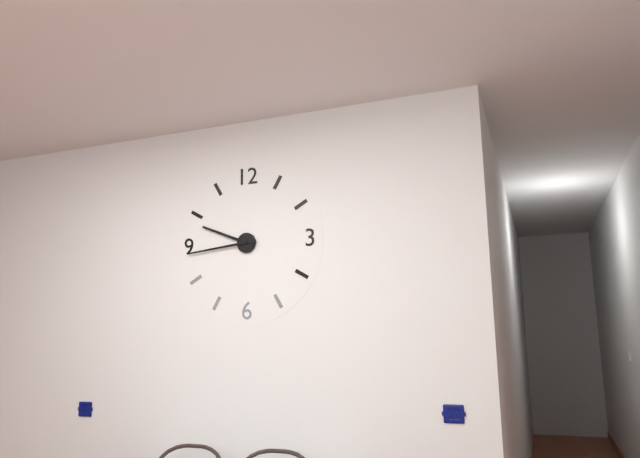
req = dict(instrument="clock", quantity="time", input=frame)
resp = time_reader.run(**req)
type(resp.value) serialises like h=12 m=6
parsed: h=9 m=44
